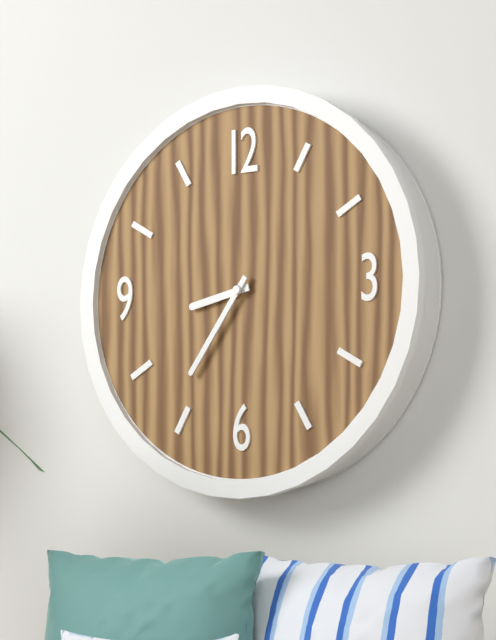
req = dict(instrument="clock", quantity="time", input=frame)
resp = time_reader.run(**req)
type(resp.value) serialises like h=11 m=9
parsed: h=8 m=36
